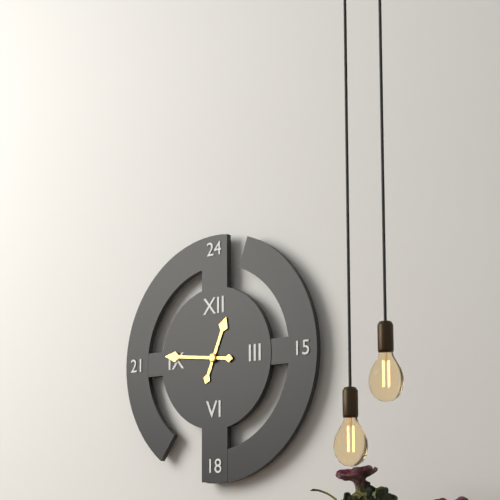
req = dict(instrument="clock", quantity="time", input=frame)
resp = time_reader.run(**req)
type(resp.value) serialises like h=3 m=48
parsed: h=12 m=46
